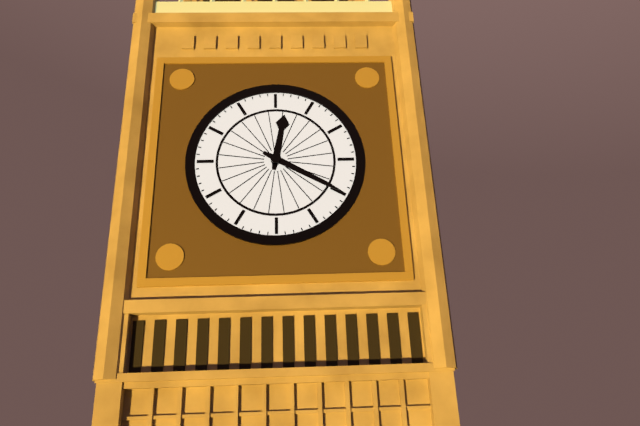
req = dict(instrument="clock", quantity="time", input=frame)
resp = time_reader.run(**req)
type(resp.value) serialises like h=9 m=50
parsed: h=12 m=20
